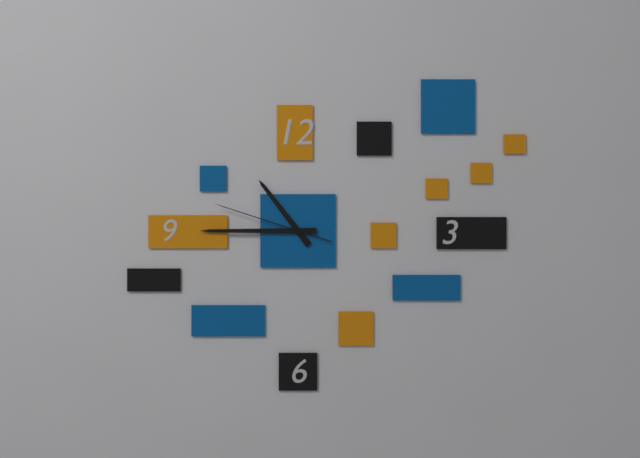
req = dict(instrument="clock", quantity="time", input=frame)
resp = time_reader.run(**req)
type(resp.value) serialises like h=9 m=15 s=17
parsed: h=10 m=45 s=48
